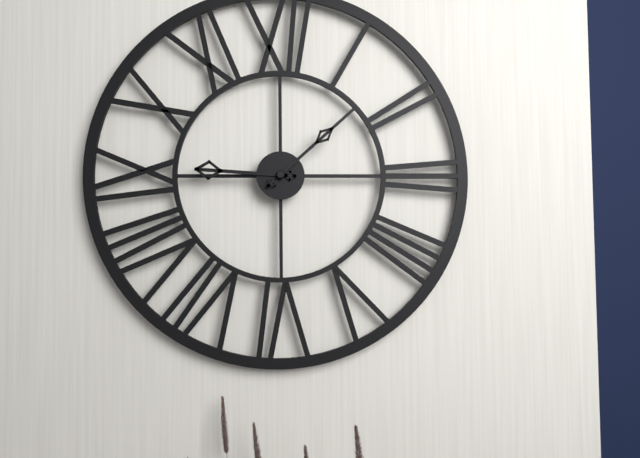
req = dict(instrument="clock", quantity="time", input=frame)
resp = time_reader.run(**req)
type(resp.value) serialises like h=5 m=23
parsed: h=9 m=8
